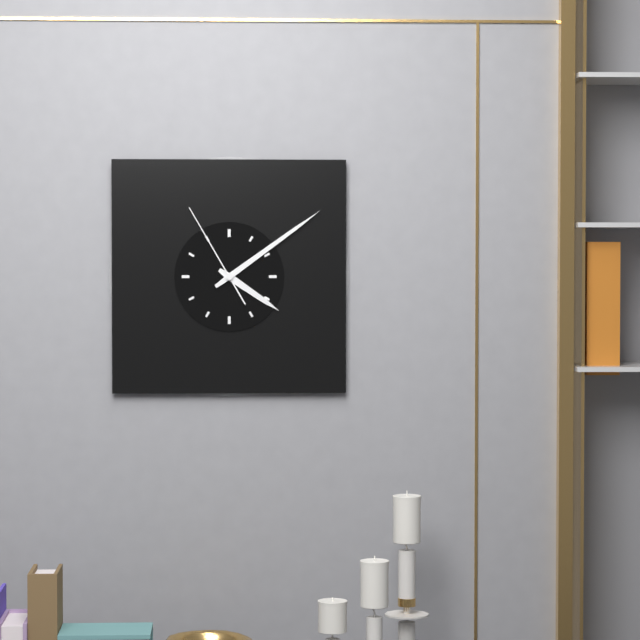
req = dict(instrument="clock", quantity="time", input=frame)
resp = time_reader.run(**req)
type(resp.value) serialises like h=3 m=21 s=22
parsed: h=4 m=9 s=55
